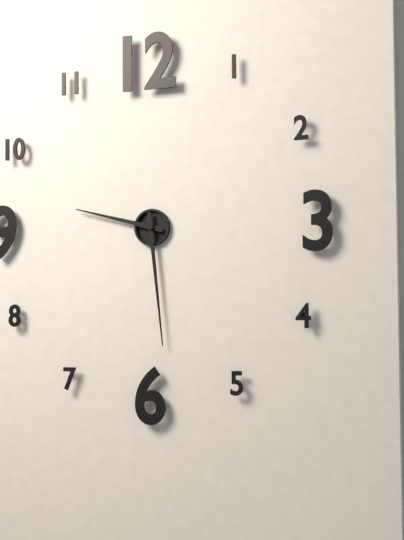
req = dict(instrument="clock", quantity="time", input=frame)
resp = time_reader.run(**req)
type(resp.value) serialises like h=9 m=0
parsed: h=9 m=29
